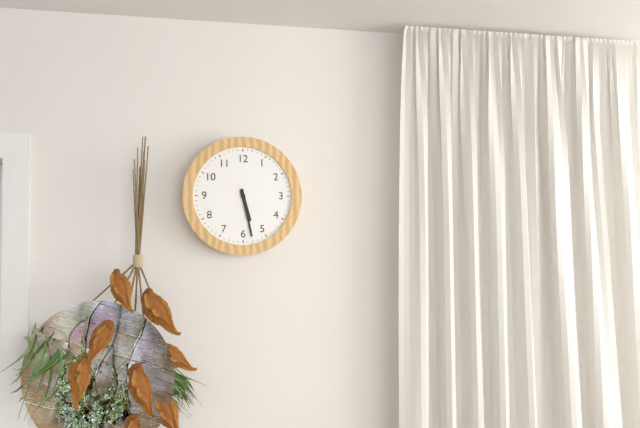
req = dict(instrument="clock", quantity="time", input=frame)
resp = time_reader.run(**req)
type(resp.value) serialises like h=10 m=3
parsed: h=5 m=28
